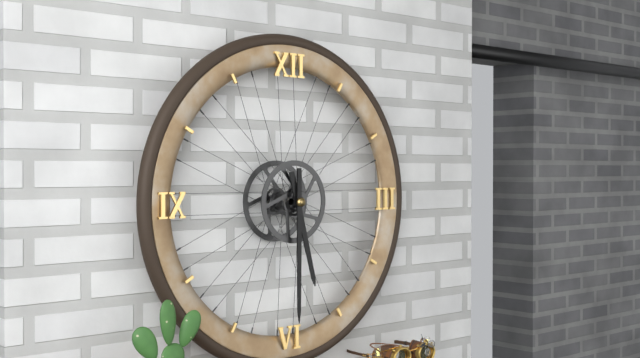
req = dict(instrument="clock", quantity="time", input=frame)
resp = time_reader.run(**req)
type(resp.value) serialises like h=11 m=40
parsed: h=5 m=30
